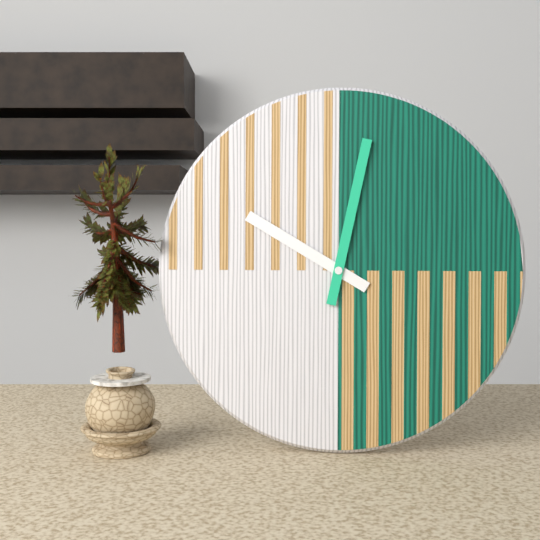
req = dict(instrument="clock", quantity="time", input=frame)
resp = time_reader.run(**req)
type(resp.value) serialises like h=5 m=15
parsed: h=10 m=2
